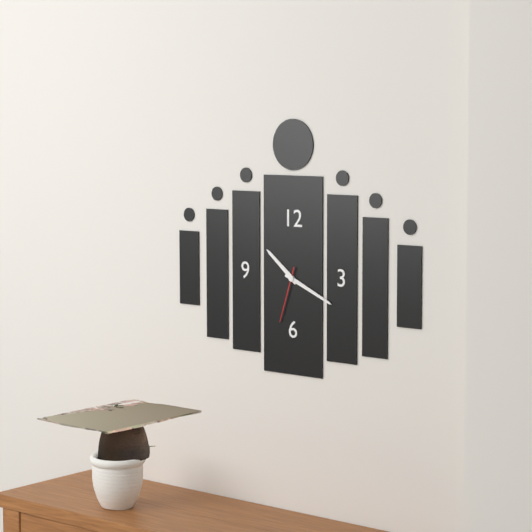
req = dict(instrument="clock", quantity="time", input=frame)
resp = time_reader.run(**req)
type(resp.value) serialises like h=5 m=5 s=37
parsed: h=10 m=19 s=33
